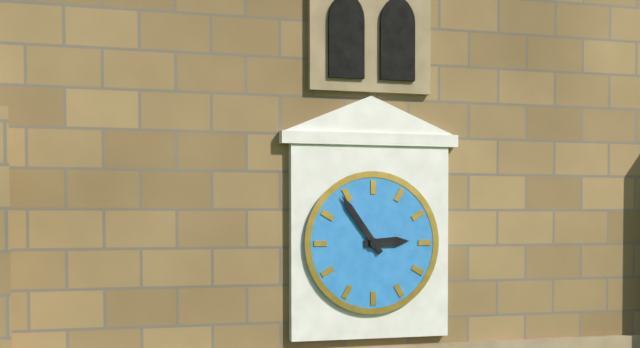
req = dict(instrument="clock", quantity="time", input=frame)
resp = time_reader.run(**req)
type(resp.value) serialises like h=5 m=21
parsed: h=2 m=54
